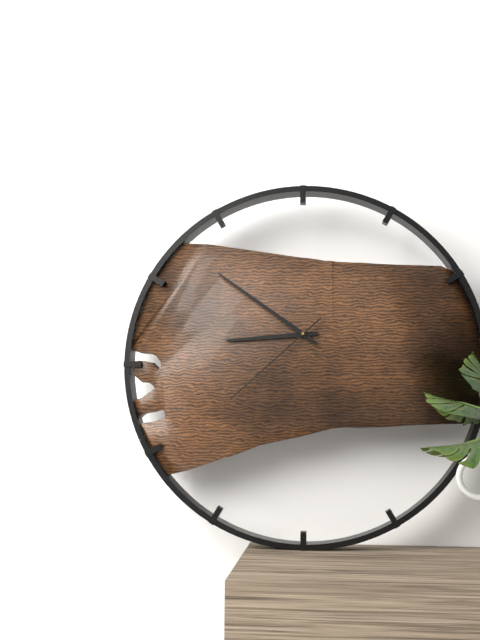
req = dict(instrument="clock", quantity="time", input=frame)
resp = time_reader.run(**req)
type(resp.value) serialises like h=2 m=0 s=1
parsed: h=8 m=51 s=38
